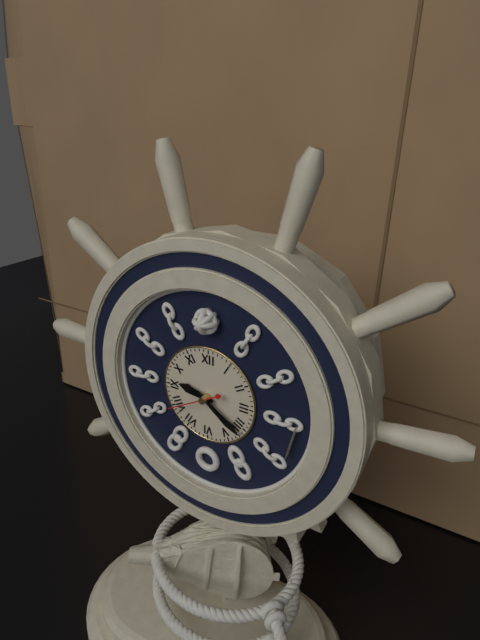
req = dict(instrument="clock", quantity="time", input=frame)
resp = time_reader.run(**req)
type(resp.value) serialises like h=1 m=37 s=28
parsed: h=9 m=21 s=40
